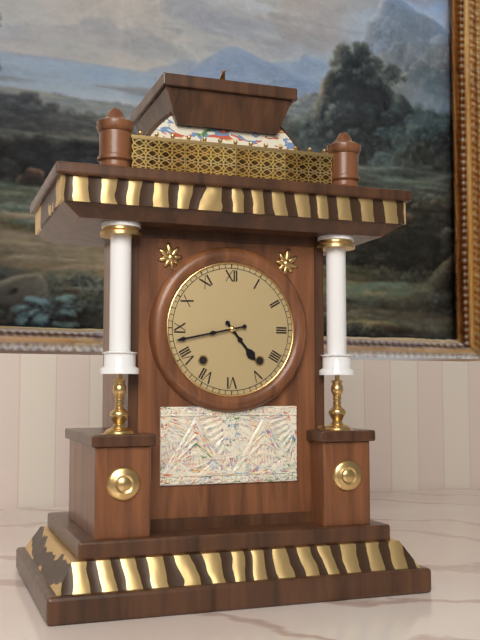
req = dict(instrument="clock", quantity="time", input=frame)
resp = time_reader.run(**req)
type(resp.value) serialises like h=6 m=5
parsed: h=4 m=43
